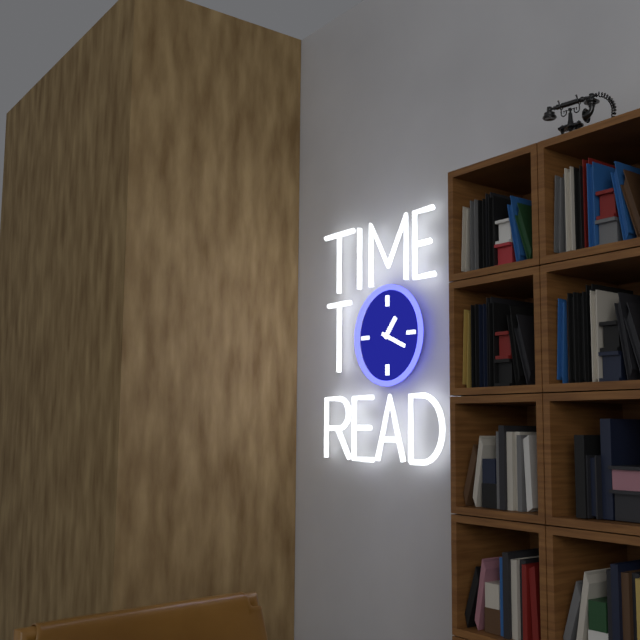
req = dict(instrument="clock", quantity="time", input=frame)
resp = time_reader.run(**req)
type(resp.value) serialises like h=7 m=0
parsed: h=1 m=19
